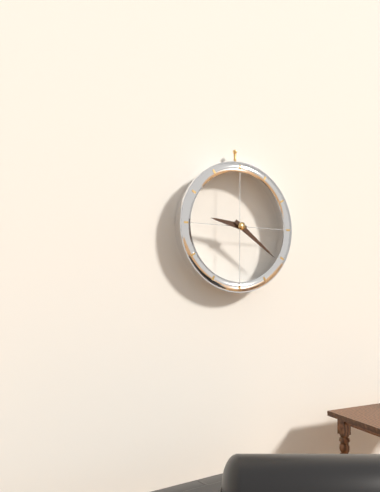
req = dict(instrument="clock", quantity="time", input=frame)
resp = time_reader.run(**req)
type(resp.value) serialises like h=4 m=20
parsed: h=9 m=21
